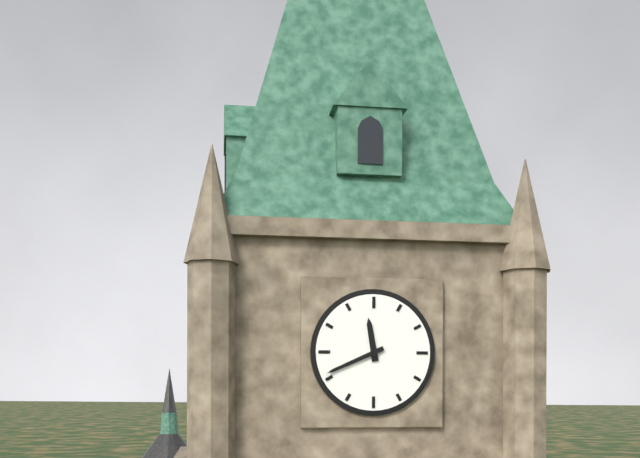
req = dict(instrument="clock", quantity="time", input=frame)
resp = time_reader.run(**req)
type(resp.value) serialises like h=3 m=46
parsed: h=11 m=41
